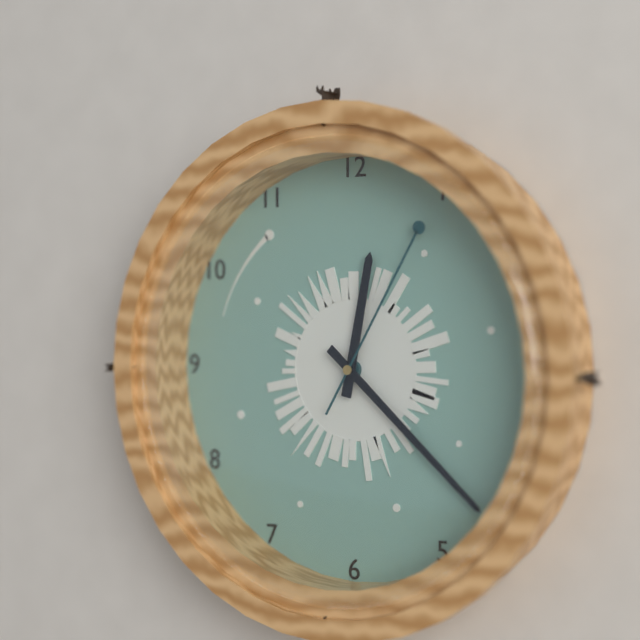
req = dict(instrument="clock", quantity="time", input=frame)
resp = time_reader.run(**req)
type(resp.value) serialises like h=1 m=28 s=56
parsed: h=12 m=22 s=5
